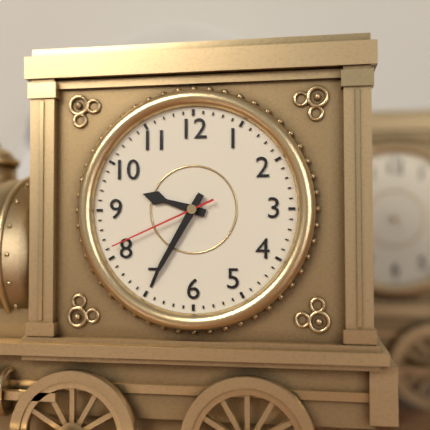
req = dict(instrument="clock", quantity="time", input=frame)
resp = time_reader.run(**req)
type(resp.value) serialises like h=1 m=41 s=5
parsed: h=9 m=35 s=41
